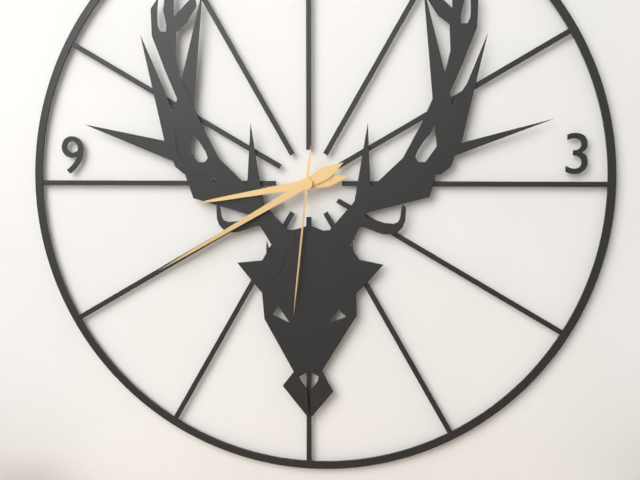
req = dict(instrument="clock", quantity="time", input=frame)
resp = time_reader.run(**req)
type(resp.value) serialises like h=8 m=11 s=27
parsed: h=8 m=40 s=31
